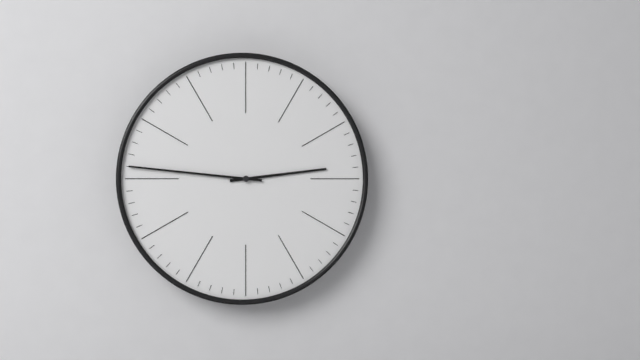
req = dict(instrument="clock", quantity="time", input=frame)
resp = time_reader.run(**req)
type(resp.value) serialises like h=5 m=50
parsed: h=2 m=46
